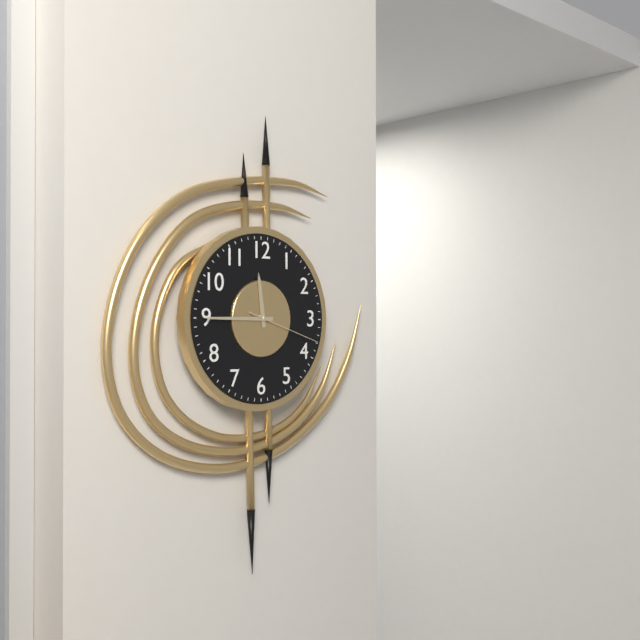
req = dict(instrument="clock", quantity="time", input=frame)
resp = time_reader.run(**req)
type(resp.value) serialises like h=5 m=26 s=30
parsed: h=11 m=45 s=18
